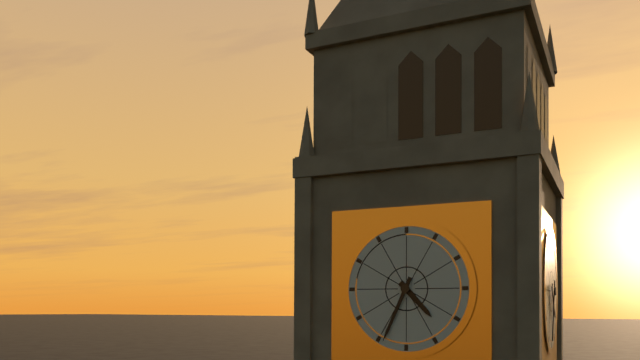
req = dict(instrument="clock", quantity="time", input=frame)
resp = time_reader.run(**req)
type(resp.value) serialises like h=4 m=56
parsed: h=4 m=34
